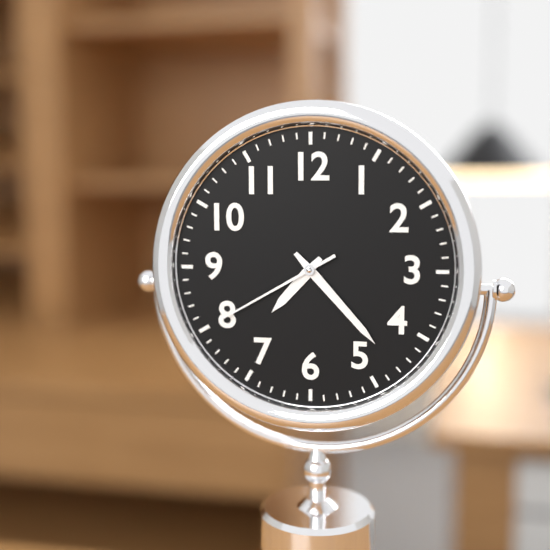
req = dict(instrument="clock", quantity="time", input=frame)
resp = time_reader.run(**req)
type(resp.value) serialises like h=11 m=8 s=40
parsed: h=7 m=23 s=40
